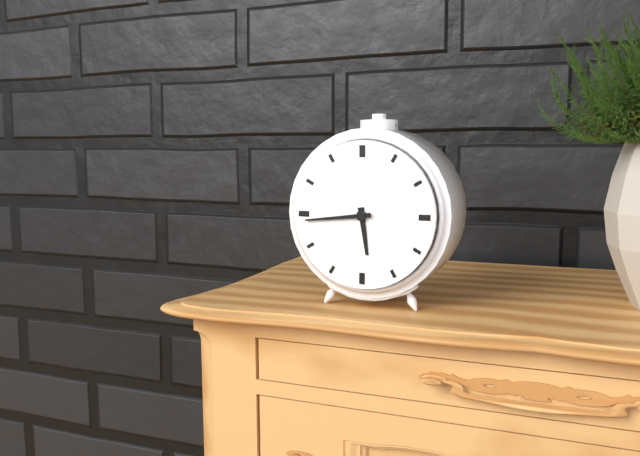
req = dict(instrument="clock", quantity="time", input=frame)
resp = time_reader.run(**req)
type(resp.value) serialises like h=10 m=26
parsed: h=5 m=44
